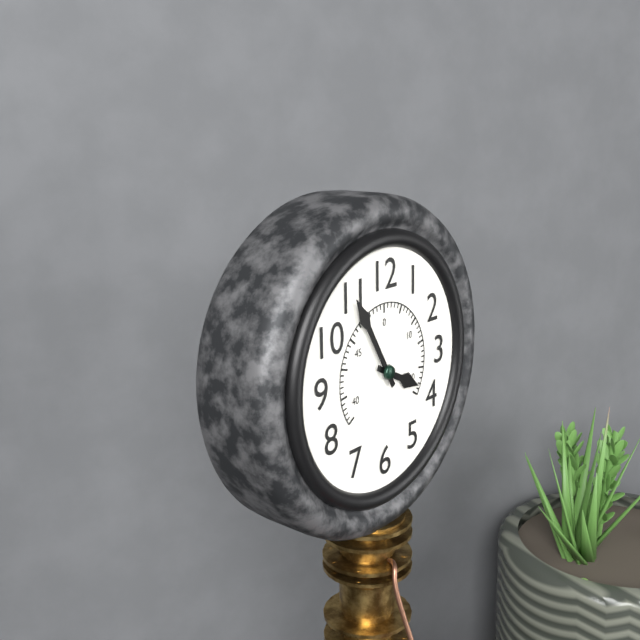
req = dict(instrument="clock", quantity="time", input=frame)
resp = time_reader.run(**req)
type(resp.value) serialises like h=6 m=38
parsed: h=3 m=55
